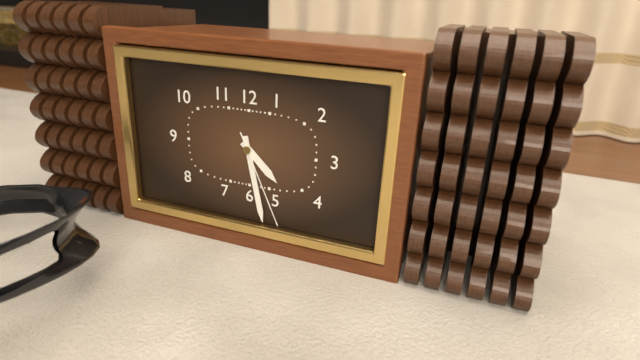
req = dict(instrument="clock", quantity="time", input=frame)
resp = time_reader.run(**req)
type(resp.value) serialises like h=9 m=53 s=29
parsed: h=4 m=28 s=26
